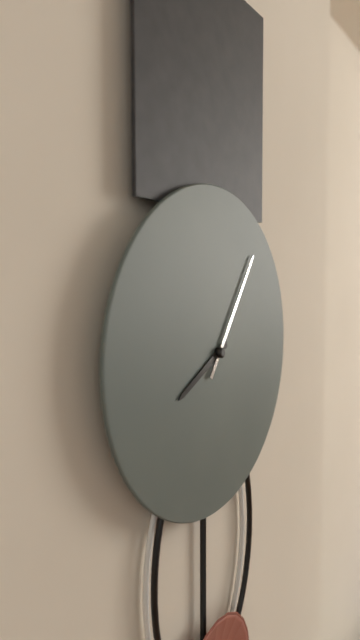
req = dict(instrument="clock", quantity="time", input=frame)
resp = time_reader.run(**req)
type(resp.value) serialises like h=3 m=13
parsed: h=8 m=6
